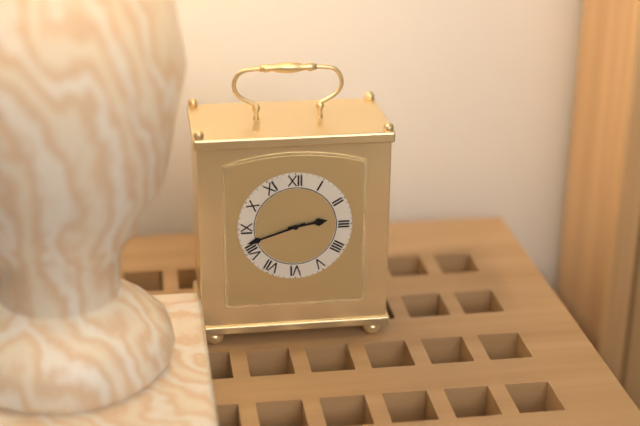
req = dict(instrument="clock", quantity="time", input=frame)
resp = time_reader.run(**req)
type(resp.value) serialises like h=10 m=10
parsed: h=2 m=42
